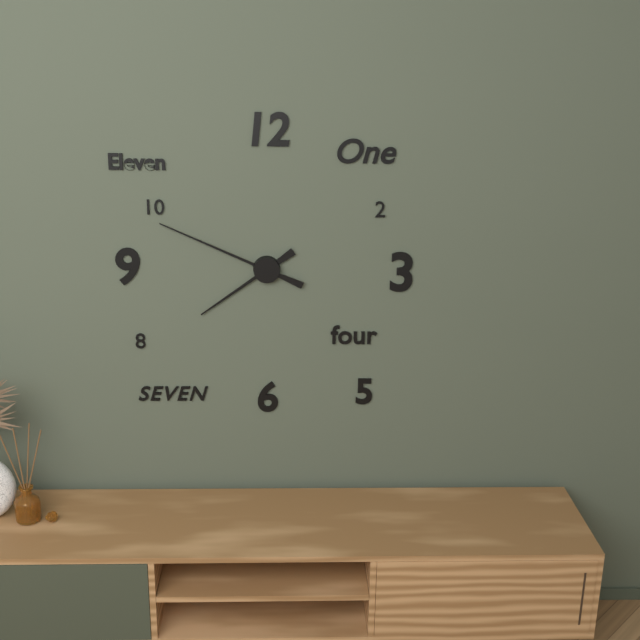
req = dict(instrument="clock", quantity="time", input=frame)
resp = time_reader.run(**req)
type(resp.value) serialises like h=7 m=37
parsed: h=7 m=49
